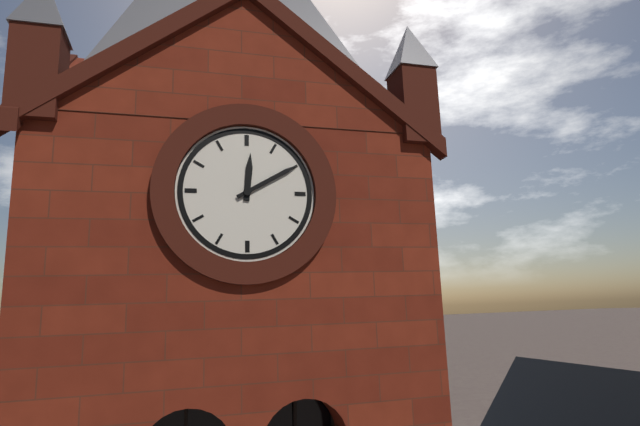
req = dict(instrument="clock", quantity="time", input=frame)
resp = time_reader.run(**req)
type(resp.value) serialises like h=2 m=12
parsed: h=12 m=10
